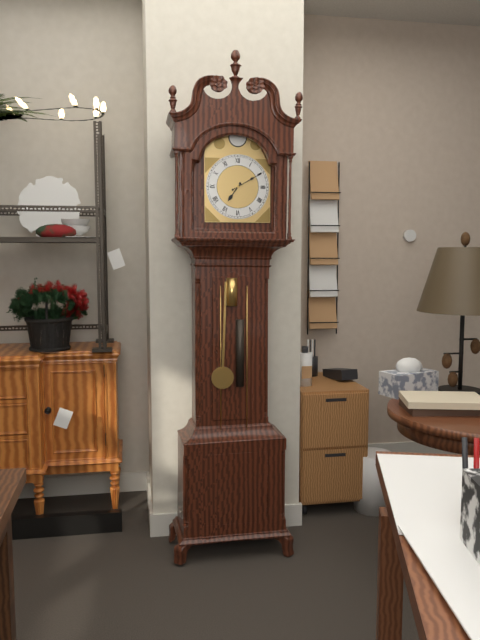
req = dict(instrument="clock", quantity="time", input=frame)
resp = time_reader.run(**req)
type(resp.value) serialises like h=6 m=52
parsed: h=7 m=10
